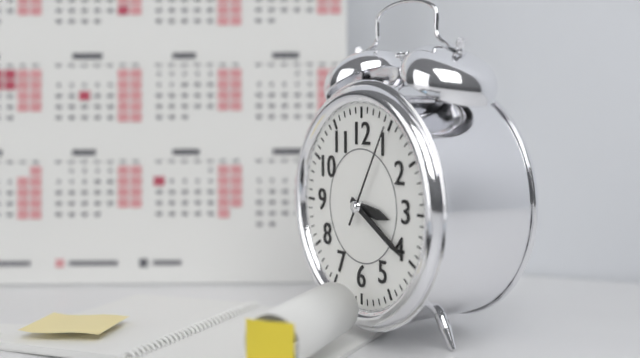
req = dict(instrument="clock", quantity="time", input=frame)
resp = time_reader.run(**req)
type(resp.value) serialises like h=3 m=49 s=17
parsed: h=3 m=20 s=5
